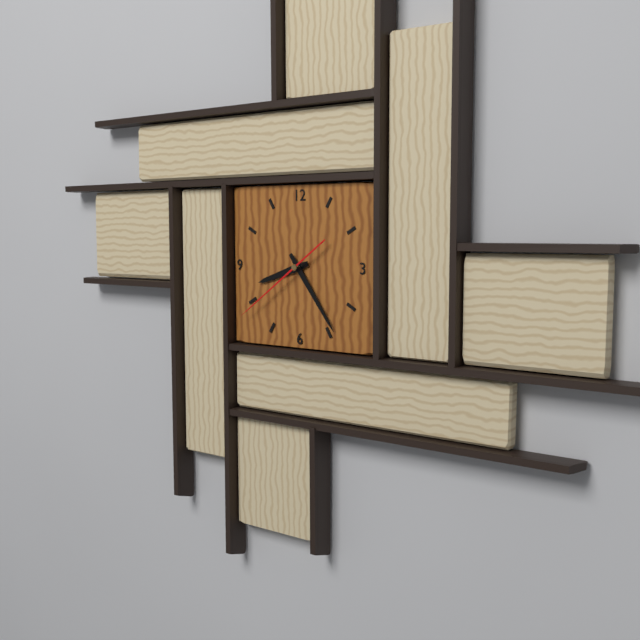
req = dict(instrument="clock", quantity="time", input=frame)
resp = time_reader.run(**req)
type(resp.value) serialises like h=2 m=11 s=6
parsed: h=8 m=24 s=39
